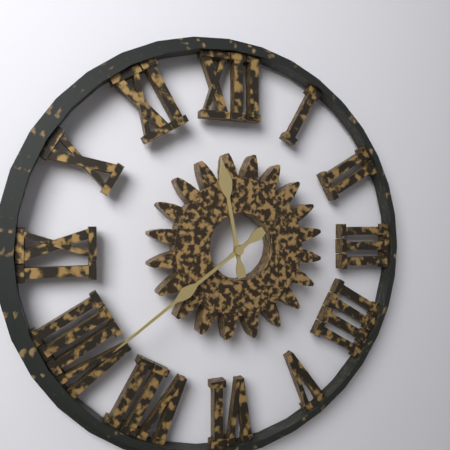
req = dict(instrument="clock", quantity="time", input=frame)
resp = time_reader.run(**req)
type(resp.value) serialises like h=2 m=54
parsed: h=11 m=39
